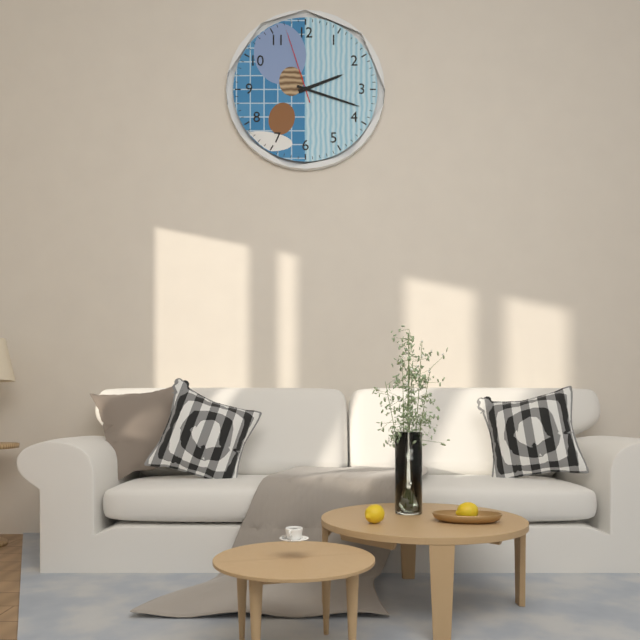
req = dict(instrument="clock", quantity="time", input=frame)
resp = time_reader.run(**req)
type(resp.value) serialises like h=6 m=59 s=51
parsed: h=2 m=18 s=57
